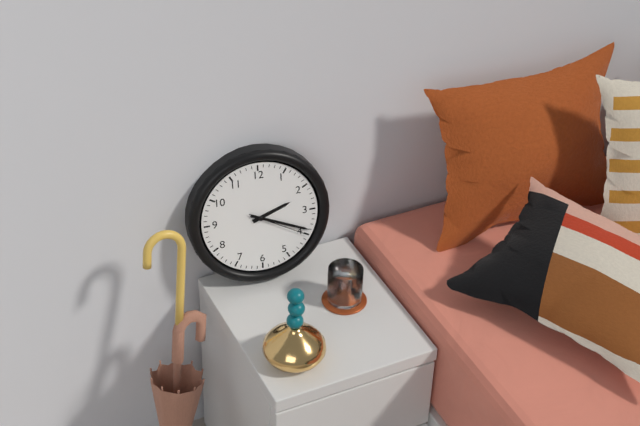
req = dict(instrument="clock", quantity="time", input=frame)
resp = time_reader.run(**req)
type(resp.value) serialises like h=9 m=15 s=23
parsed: h=2 m=19 s=20
